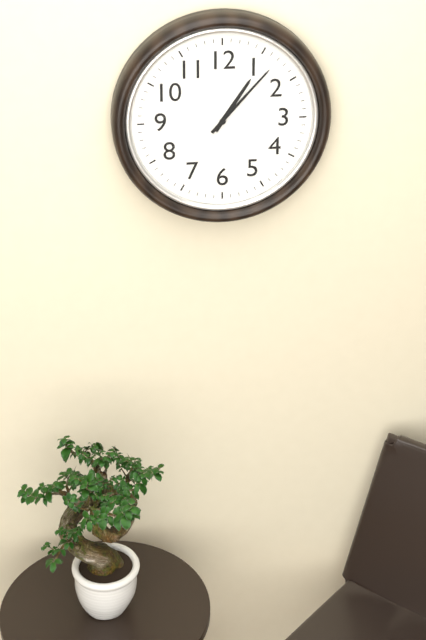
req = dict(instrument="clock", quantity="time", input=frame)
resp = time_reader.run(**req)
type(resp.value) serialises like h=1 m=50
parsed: h=1 m=7
